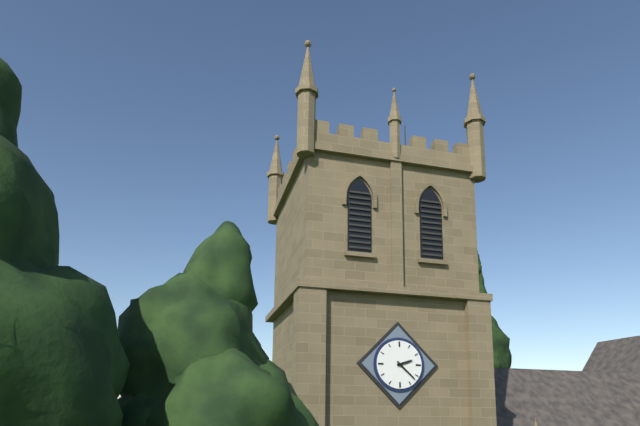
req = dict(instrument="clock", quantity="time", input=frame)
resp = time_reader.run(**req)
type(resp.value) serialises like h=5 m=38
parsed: h=2 m=22
